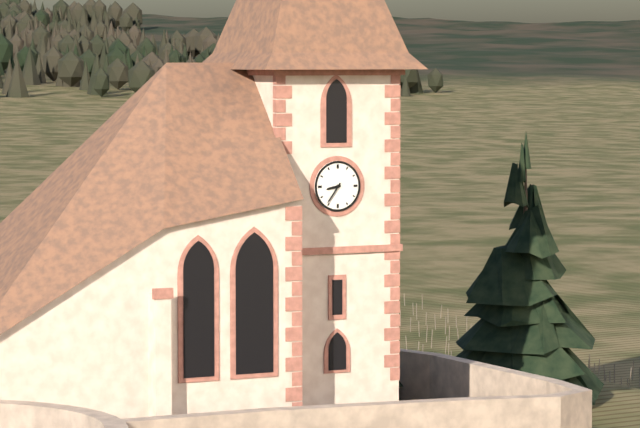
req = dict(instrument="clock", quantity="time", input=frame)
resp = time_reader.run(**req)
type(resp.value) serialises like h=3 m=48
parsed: h=8 m=36
